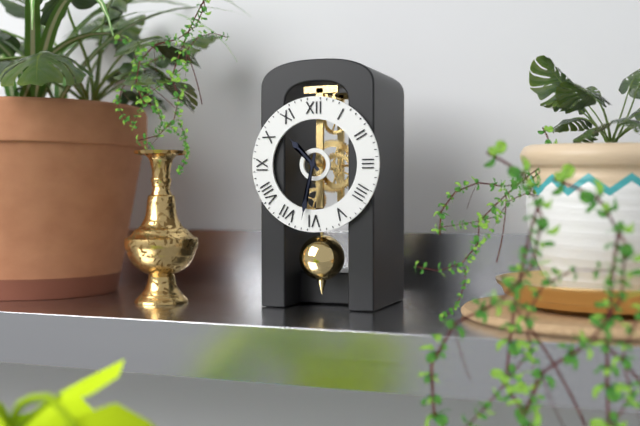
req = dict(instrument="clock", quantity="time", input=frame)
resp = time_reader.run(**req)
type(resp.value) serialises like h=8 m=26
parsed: h=10 m=32
